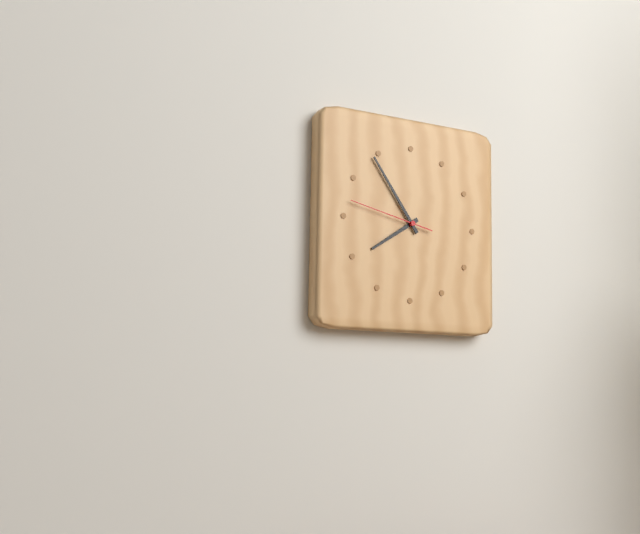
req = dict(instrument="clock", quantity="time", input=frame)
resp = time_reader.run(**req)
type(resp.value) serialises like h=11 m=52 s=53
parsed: h=7 m=54 s=47
